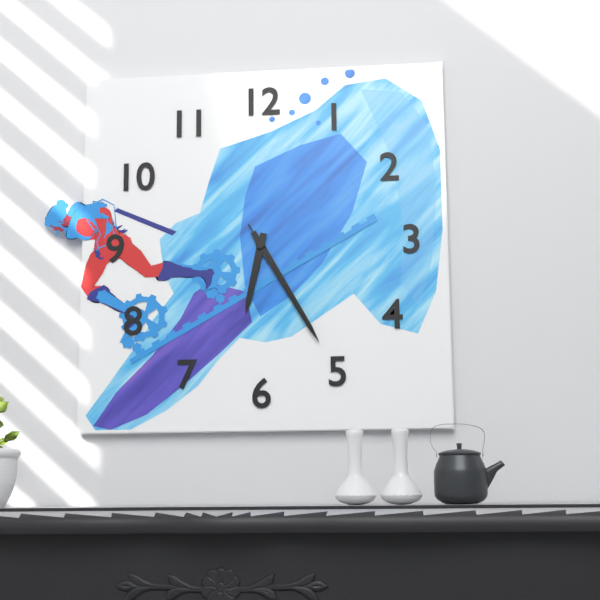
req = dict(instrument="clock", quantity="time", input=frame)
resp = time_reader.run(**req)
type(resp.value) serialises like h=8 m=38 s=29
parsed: h=6 m=25 s=25
